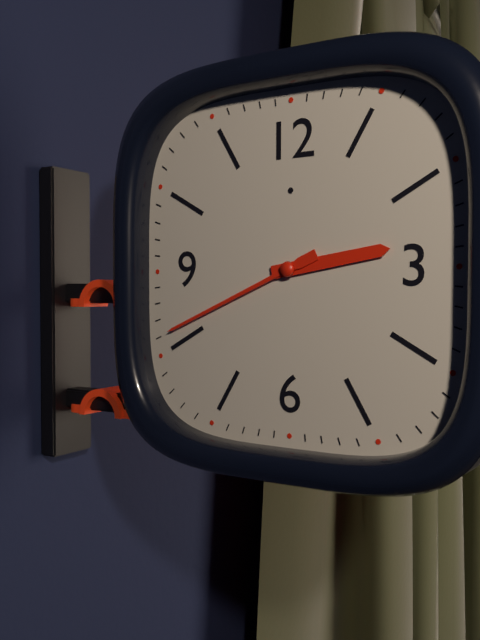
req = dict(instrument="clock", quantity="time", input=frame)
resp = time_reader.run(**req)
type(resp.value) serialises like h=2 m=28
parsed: h=2 m=41
